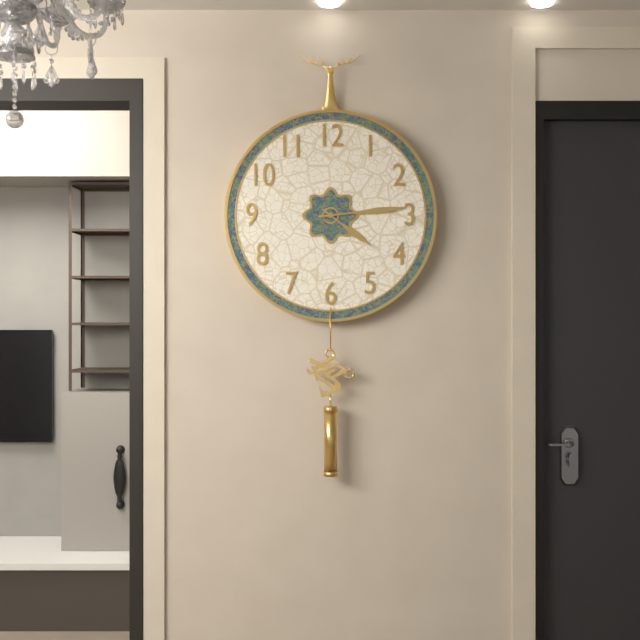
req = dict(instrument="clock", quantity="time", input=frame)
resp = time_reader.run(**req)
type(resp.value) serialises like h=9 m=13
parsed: h=4 m=14
